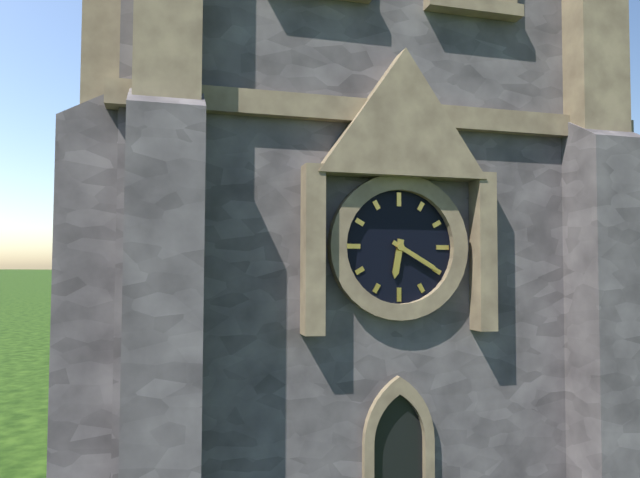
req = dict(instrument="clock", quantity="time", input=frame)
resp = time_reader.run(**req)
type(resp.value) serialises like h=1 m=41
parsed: h=6 m=20
